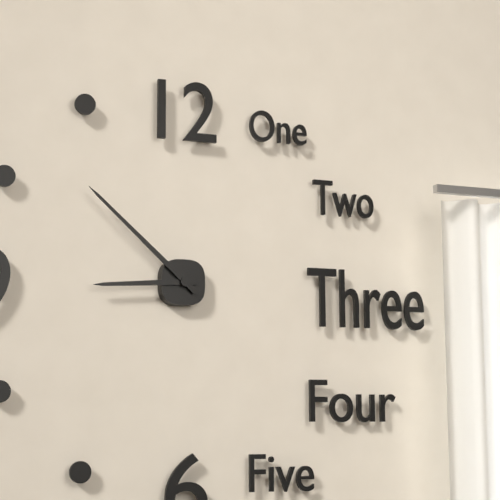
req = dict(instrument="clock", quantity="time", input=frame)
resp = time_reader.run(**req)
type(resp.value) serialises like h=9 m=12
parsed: h=8 m=52
